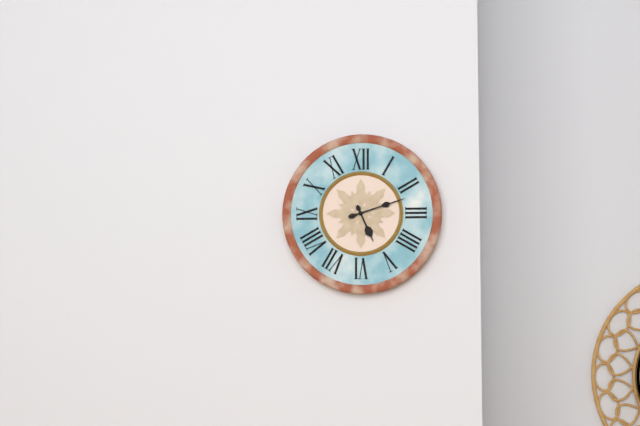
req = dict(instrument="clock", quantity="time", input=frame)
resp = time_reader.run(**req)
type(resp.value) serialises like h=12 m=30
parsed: h=5 m=12
